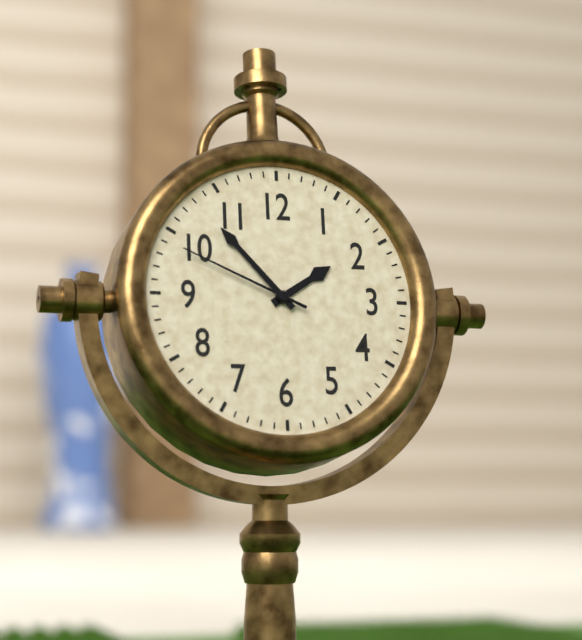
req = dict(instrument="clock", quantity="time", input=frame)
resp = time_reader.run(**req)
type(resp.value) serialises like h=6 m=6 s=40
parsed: h=1 m=53 s=49
